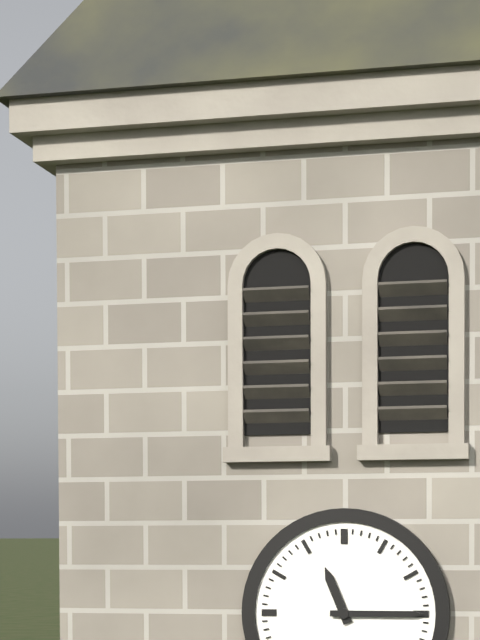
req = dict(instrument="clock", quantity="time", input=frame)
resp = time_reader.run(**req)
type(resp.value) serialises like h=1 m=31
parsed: h=11 m=15
